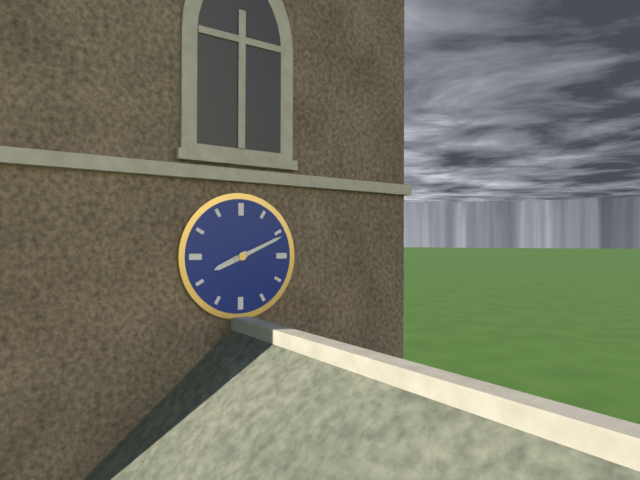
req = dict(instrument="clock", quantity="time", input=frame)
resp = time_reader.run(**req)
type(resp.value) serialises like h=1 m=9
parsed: h=8 m=11
